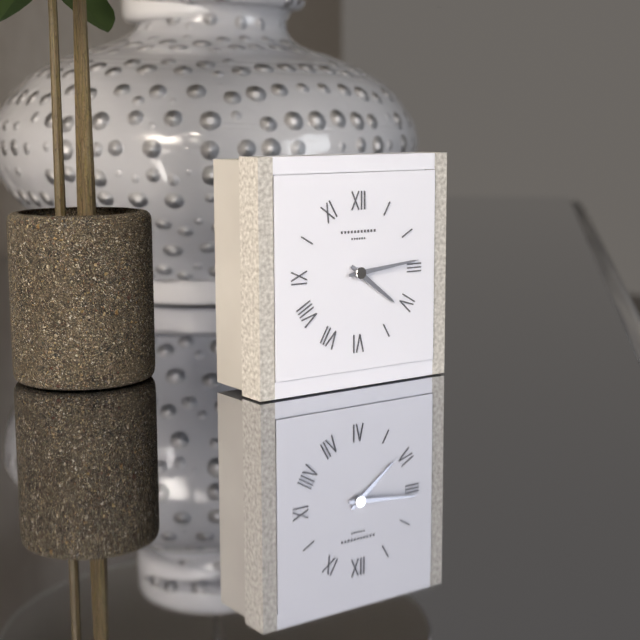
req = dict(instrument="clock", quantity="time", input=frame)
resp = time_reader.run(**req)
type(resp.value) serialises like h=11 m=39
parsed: h=4 m=14
